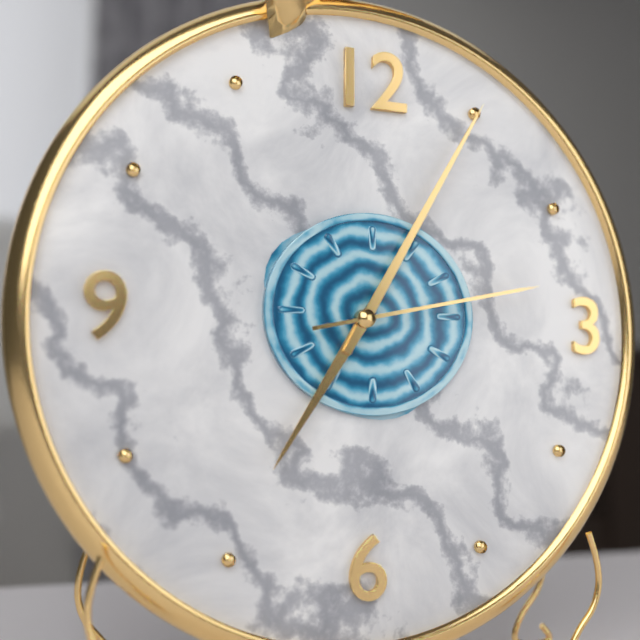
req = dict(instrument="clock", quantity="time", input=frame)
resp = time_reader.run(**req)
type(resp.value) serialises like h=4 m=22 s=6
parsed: h=7 m=5 s=13
